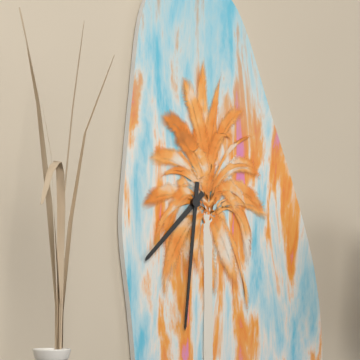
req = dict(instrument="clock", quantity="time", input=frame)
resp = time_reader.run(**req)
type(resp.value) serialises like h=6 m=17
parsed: h=7 m=31
